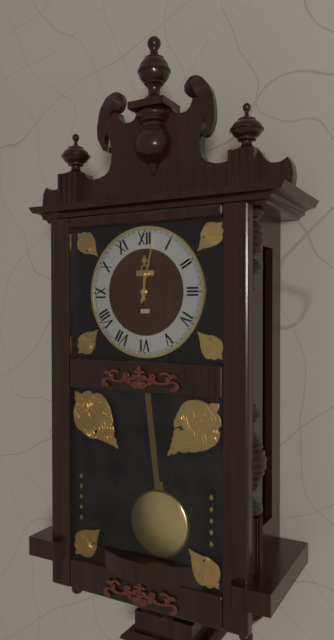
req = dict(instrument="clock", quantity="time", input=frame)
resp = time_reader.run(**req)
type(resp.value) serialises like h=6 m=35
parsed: h=12 m=2
